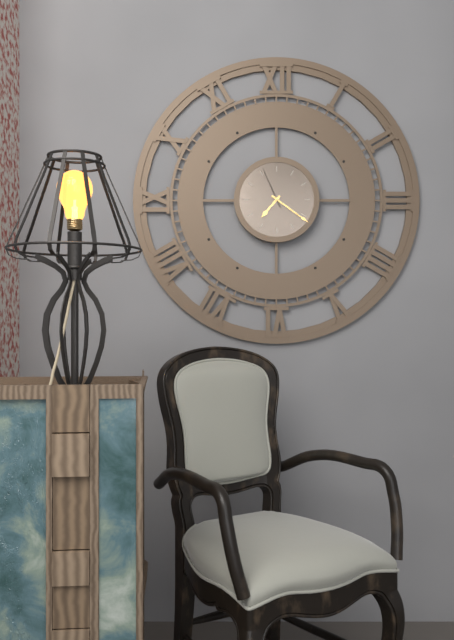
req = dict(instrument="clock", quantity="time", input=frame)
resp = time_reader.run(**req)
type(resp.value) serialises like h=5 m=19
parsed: h=7 m=21
